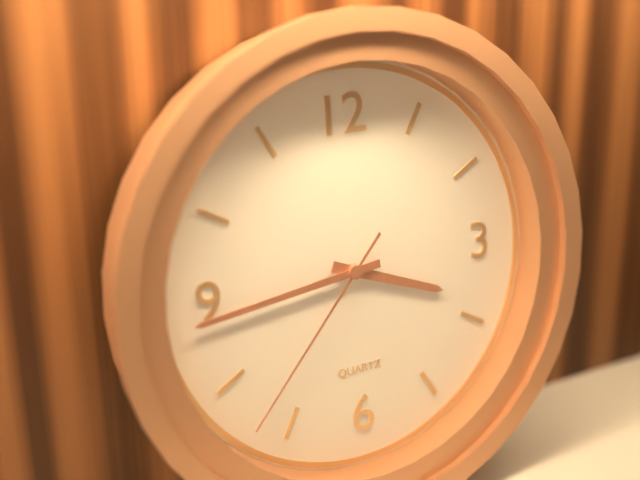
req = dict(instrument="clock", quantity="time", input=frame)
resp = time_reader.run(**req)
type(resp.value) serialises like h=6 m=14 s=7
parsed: h=3 m=44 s=37
